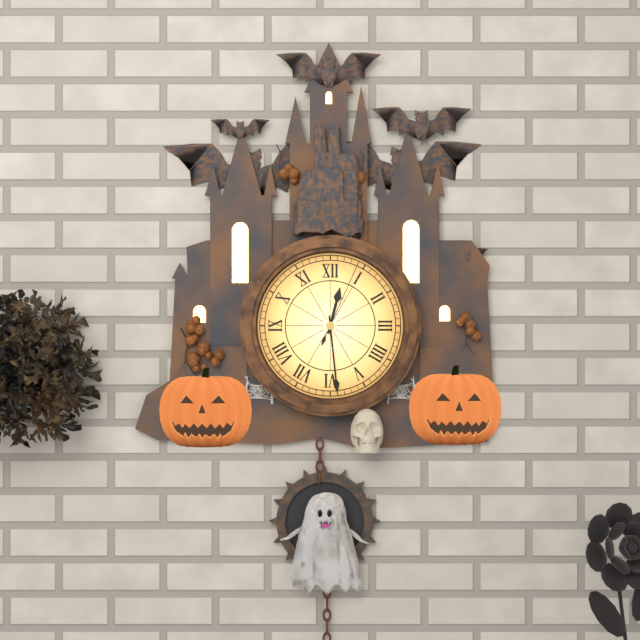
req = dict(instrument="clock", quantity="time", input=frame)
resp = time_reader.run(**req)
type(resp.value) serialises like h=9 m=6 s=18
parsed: h=12 m=29 s=4
